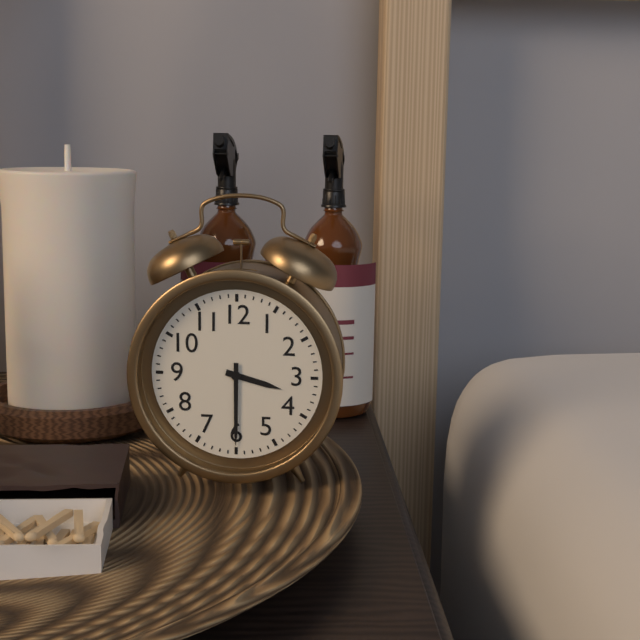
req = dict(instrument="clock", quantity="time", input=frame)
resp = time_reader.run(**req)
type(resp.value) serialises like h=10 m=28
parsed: h=3 m=30
